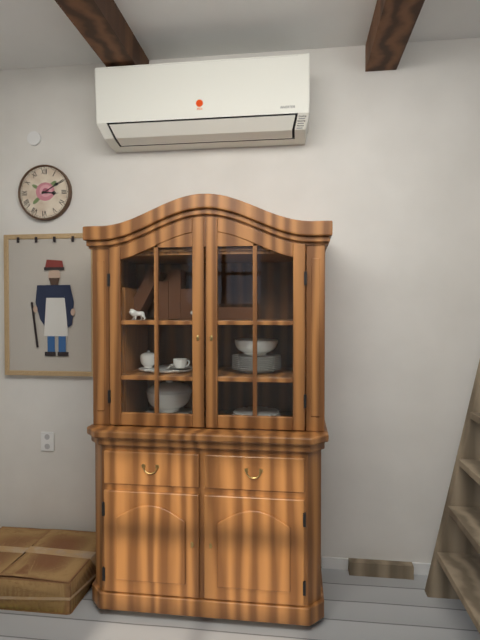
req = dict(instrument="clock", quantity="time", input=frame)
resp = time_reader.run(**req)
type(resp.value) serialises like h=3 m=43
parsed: h=3 m=10
